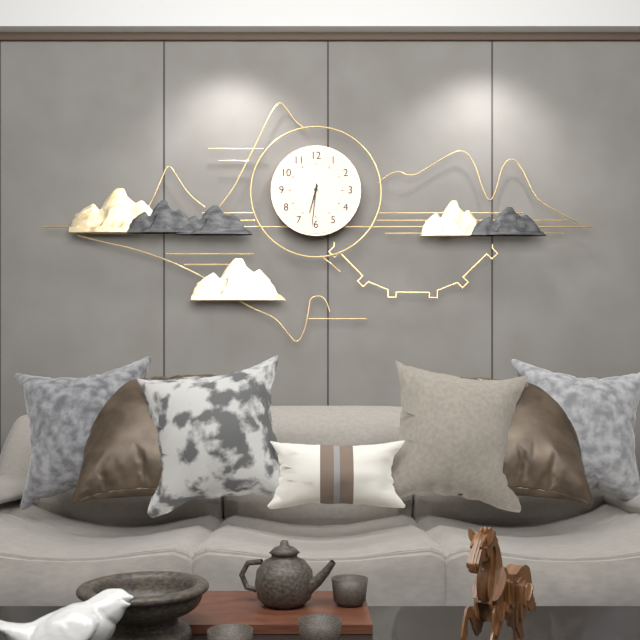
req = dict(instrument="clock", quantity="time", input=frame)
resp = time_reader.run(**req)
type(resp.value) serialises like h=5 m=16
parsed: h=6 m=31
